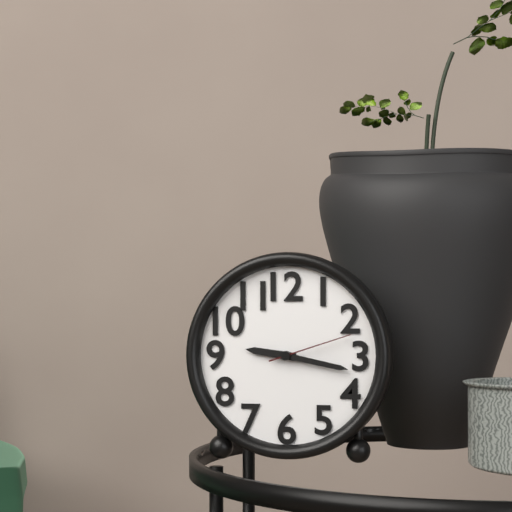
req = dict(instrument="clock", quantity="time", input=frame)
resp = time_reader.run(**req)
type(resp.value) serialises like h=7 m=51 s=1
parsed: h=9 m=17 s=12
